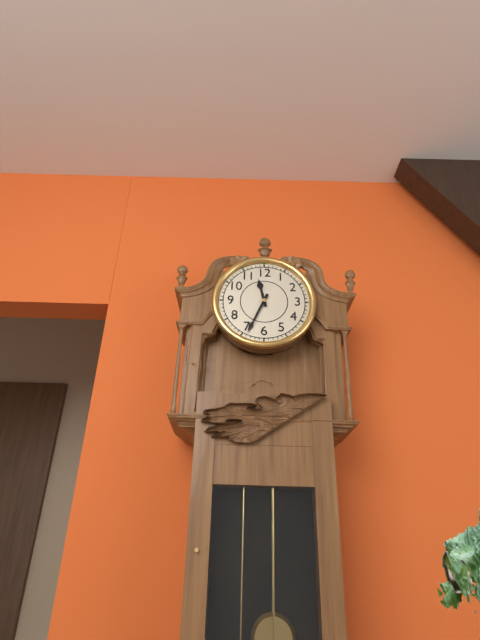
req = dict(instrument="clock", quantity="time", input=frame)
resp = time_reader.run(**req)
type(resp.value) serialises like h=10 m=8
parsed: h=11 m=34
